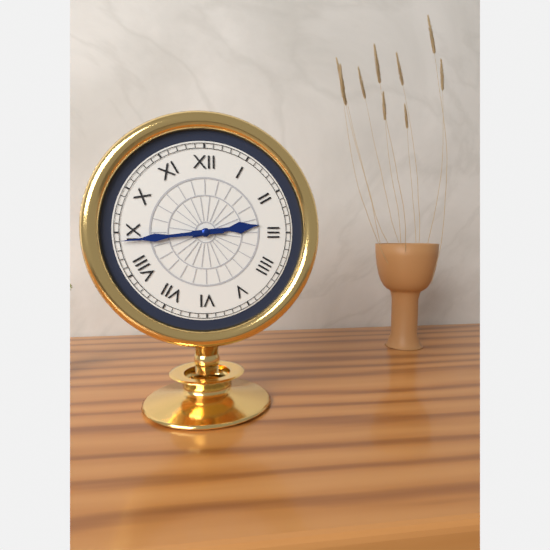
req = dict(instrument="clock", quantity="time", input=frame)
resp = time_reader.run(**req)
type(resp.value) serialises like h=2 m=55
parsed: h=2 m=44
